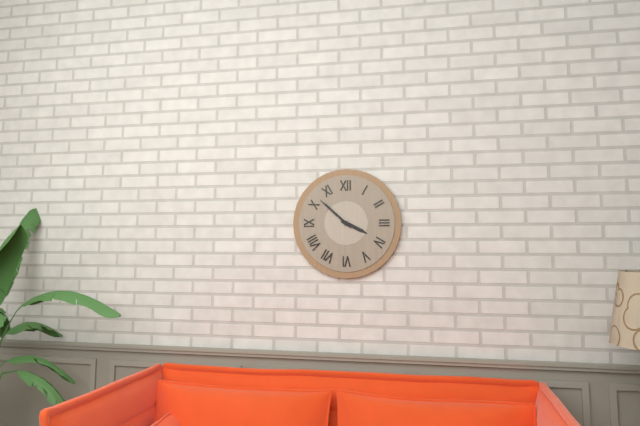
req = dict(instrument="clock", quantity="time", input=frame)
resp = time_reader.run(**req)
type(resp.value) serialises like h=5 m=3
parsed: h=3 m=52
